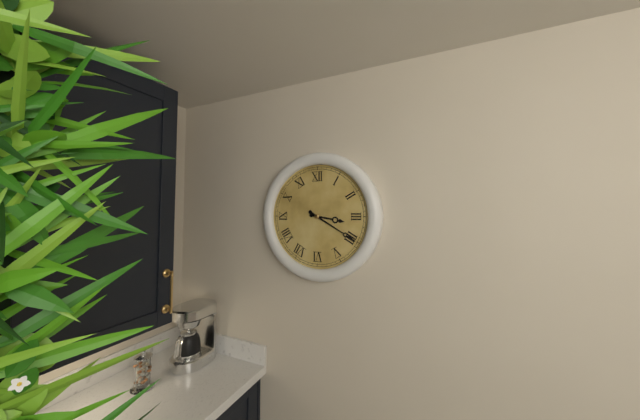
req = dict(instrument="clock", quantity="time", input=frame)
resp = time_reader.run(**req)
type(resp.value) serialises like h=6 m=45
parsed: h=3 m=20
